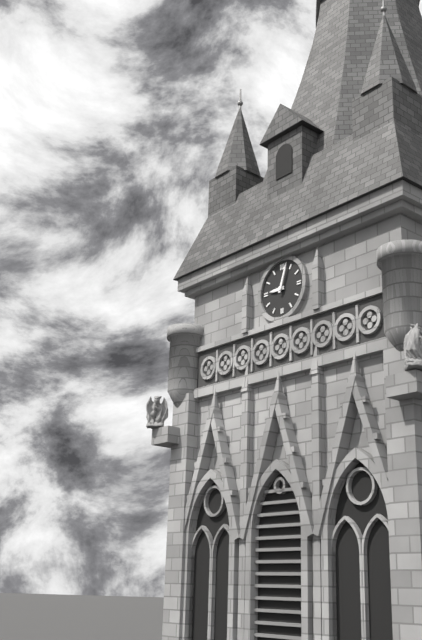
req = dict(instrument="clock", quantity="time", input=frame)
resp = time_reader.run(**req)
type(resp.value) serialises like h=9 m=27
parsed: h=9 m=3
